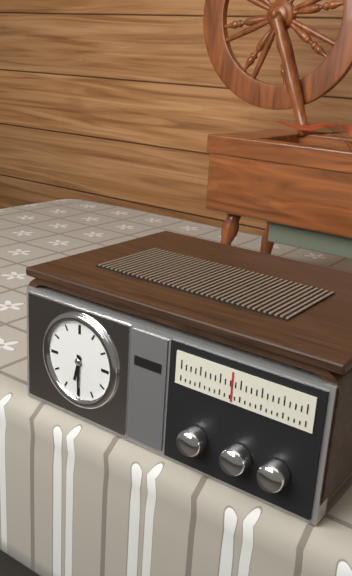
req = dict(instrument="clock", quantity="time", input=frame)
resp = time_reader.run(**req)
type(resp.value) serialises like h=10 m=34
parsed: h=6 m=30
